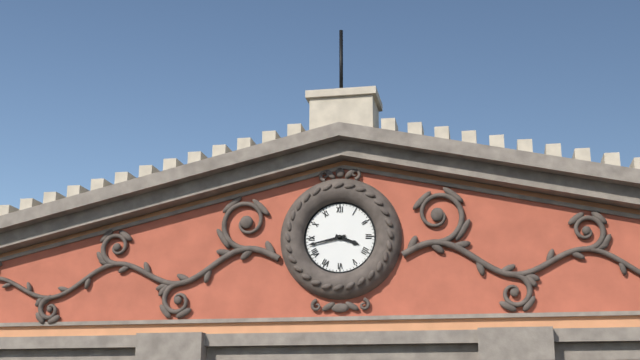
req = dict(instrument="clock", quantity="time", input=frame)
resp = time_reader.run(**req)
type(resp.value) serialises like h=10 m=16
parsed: h=3 m=43
